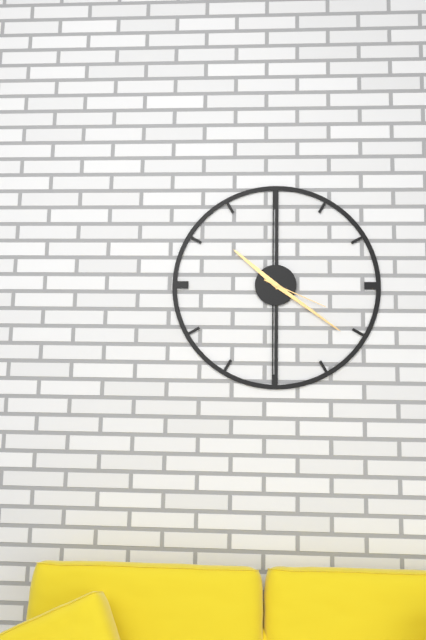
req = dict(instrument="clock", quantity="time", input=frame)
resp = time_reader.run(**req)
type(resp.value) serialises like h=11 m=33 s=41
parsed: h=10 m=21 s=19
